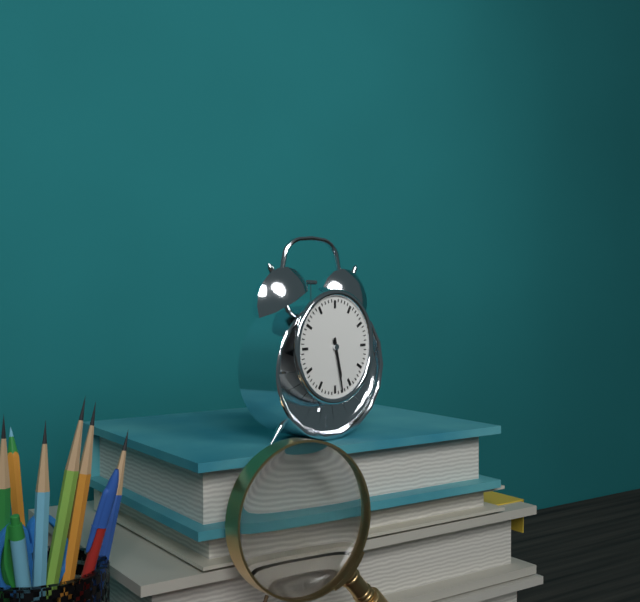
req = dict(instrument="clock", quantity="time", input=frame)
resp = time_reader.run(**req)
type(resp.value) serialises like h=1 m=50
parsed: h=5 m=28
